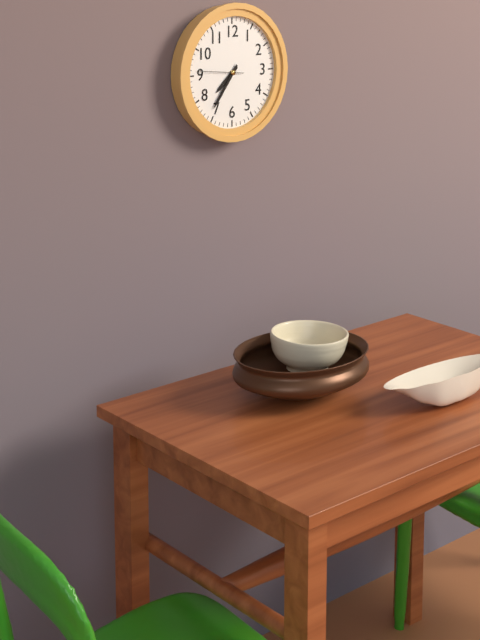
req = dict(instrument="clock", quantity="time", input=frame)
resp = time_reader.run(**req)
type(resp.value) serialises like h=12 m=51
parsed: h=7 m=36
